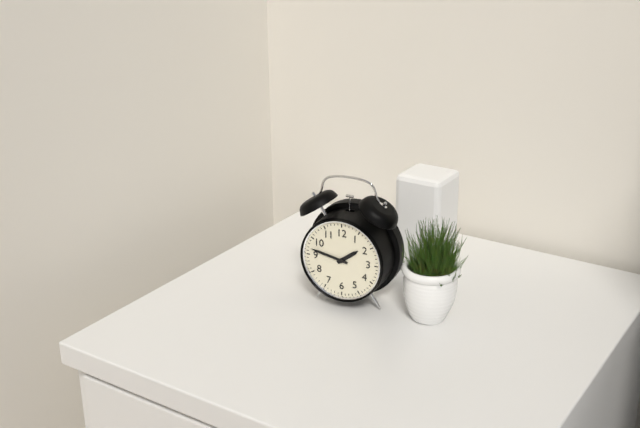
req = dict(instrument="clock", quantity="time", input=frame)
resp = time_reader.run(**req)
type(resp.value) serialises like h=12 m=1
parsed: h=1 m=47
